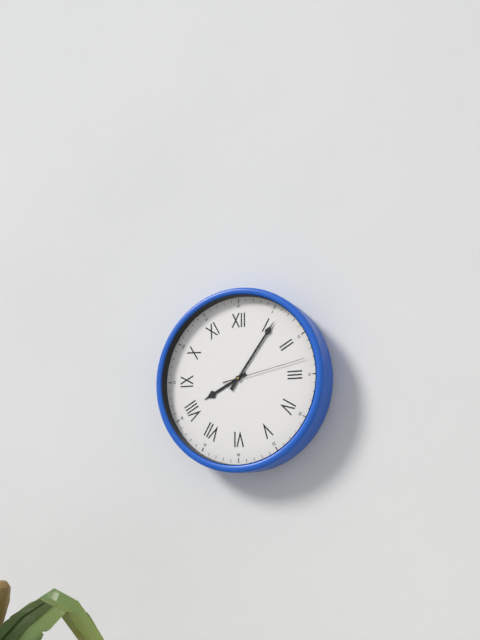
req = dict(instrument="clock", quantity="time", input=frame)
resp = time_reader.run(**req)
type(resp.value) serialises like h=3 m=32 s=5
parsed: h=8 m=6 s=13
